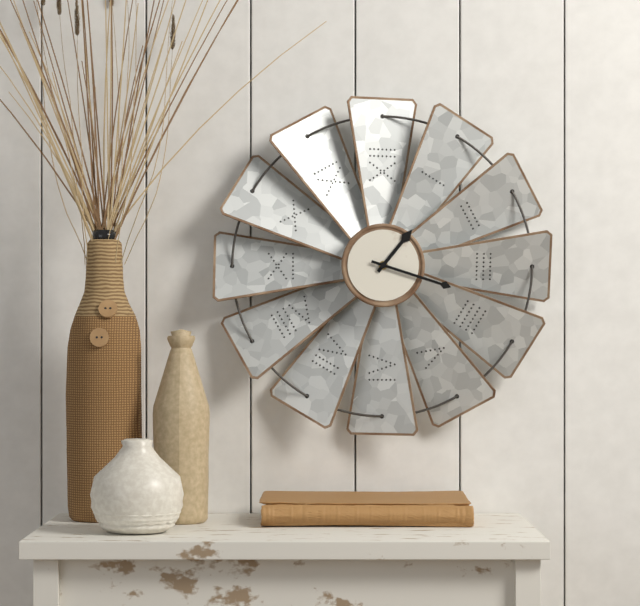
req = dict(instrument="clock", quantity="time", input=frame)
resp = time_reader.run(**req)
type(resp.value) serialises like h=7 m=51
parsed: h=1 m=18
